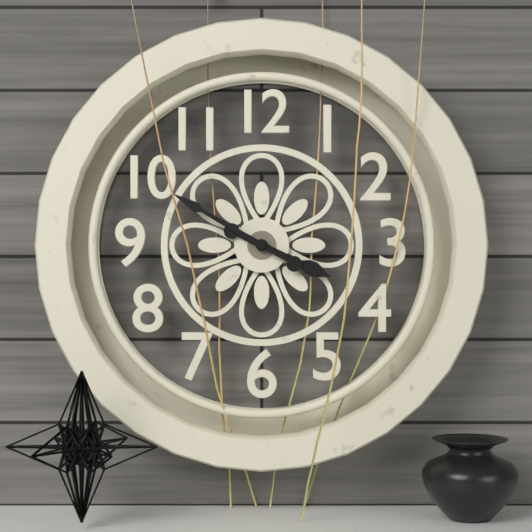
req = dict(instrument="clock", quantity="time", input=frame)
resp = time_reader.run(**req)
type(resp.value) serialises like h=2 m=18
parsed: h=3 m=50
